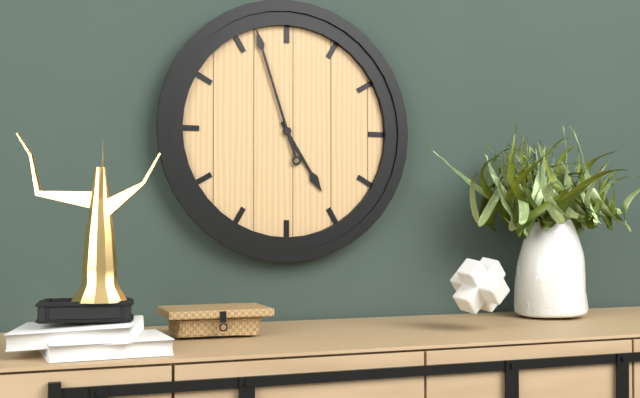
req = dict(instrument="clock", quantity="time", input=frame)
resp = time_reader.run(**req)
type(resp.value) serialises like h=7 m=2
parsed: h=4 m=57
